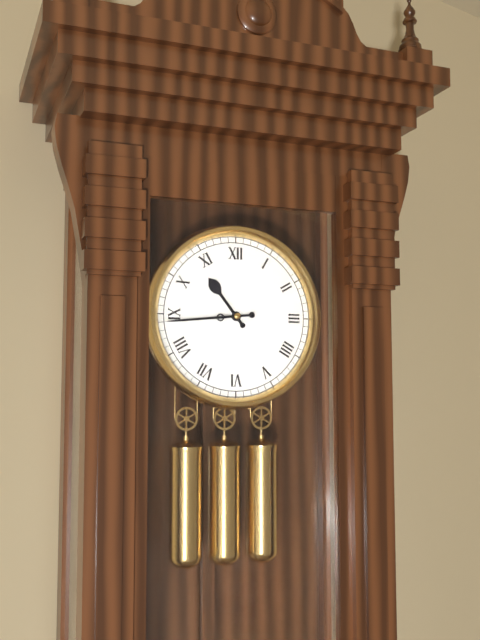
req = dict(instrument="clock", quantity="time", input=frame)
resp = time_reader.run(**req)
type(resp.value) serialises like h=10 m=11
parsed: h=10 m=44
